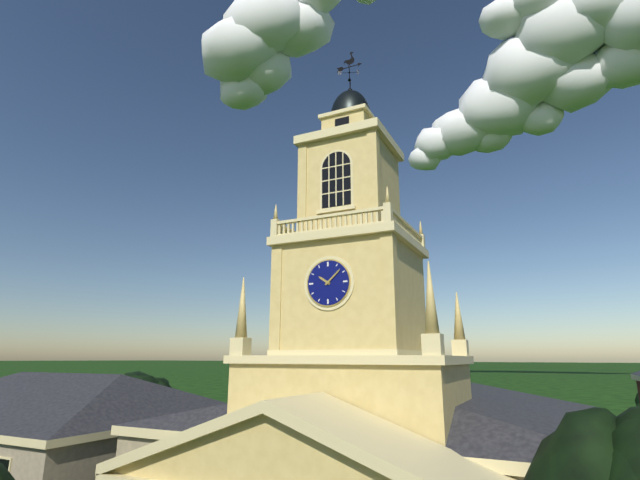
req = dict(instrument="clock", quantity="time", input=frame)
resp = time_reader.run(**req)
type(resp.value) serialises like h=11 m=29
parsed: h=10 m=8
